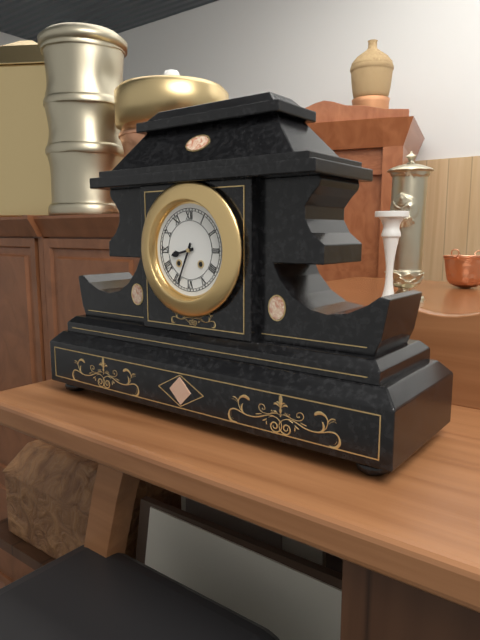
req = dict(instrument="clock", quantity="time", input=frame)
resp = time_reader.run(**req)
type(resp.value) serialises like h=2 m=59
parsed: h=8 m=34
